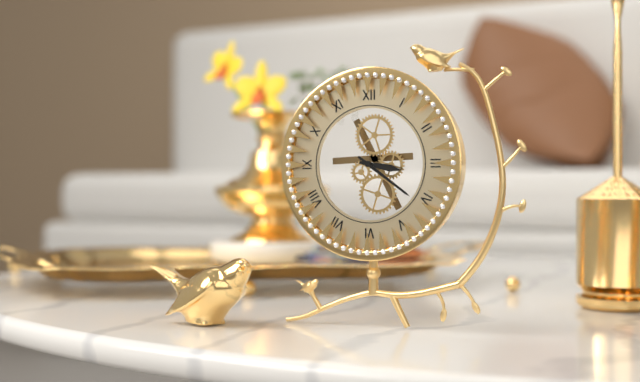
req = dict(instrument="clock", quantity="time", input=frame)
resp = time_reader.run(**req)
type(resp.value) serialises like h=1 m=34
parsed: h=3 m=21
